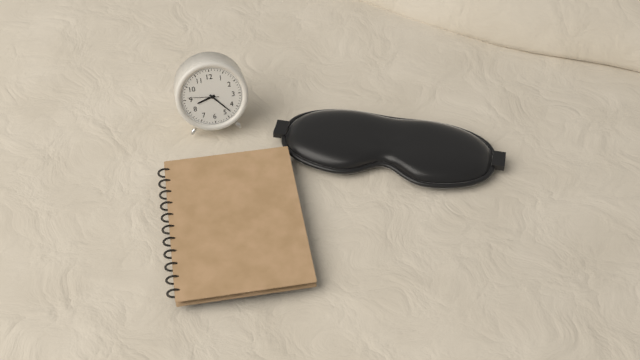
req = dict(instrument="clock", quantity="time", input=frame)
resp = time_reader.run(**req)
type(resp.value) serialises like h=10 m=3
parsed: h=8 m=23
